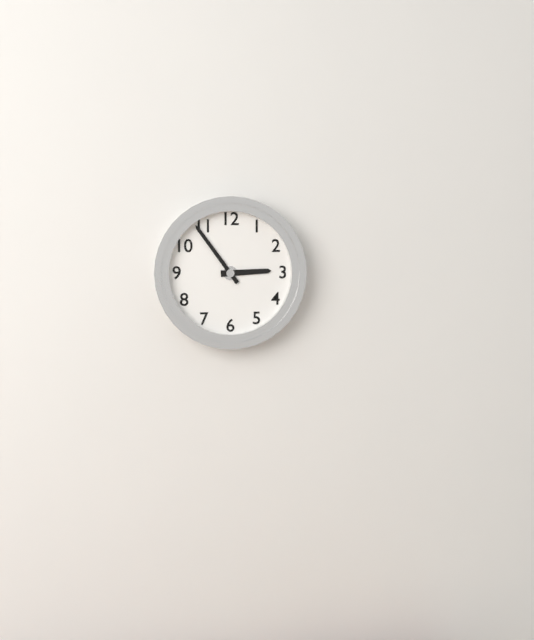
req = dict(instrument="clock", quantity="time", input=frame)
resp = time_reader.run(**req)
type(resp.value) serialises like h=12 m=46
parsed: h=2 m=54
